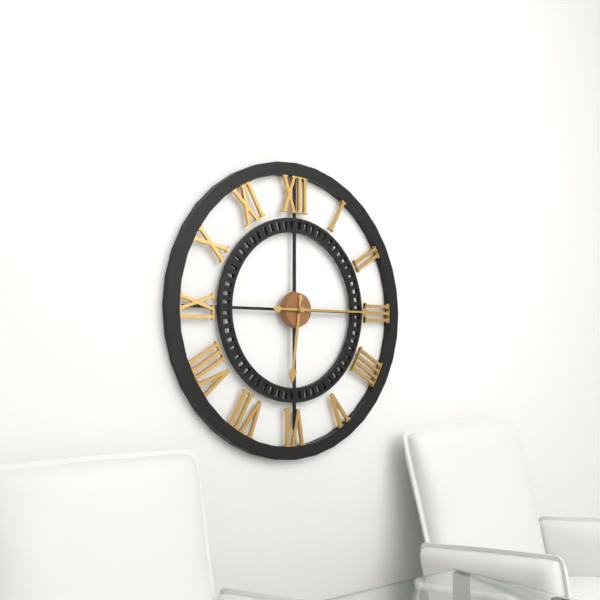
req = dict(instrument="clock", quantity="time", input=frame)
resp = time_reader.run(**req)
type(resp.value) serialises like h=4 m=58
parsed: h=6 m=15
